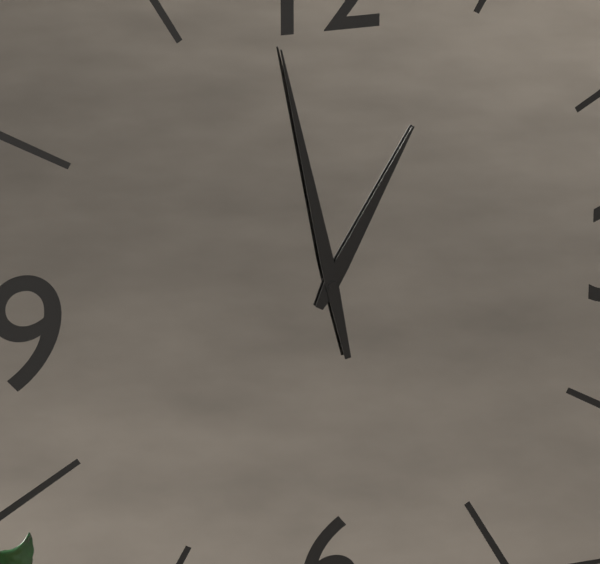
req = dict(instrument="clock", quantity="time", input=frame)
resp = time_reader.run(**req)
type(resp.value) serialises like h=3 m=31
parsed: h=12 m=58
